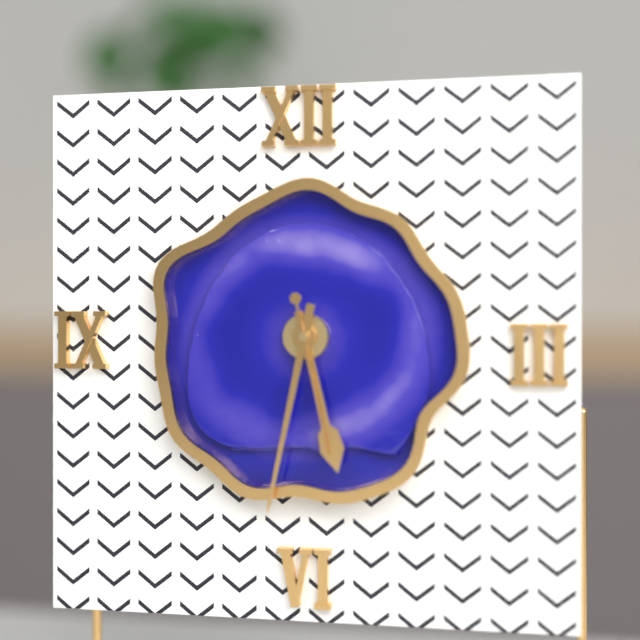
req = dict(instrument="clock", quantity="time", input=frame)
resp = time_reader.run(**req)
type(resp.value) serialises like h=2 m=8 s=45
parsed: h=5 m=32 s=28
